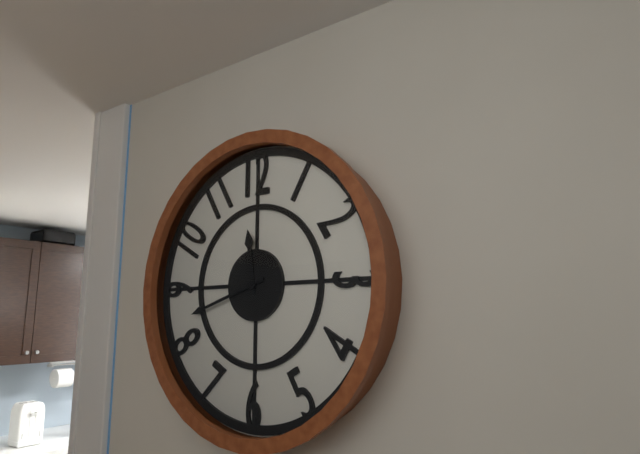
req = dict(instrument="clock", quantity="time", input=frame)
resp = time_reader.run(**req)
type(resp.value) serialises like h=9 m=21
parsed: h=11 m=42
